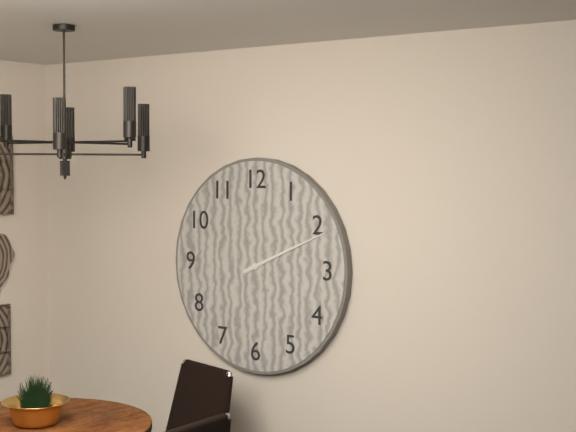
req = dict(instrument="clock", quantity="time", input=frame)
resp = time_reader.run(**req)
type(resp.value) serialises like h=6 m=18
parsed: h=2 m=11
